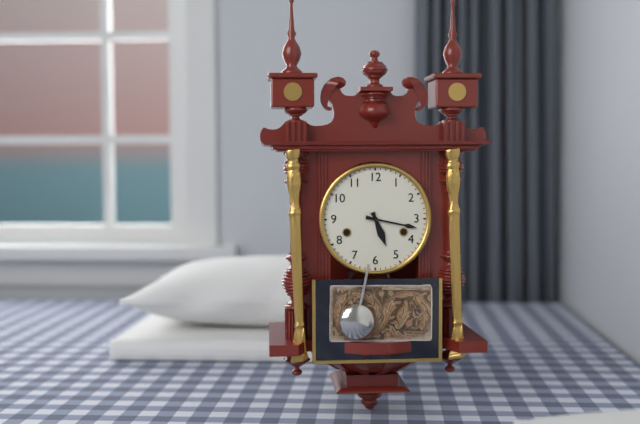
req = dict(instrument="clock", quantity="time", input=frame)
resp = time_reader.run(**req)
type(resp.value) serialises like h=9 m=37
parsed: h=5 m=17
